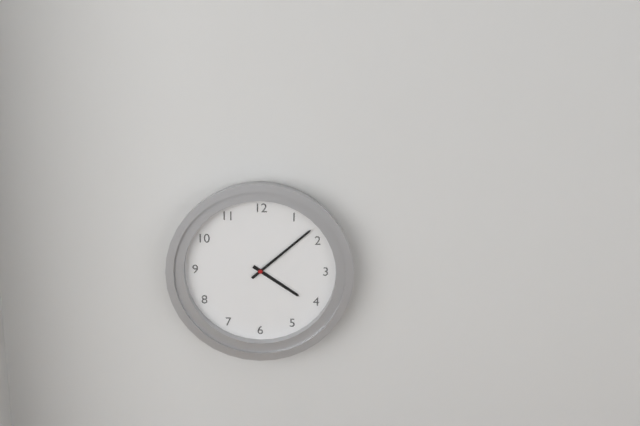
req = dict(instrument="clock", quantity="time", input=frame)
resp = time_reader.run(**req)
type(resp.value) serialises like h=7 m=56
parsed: h=4 m=8
